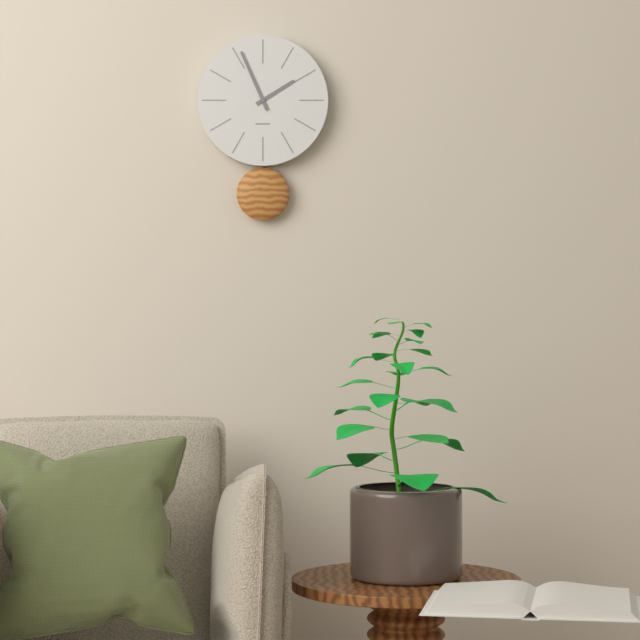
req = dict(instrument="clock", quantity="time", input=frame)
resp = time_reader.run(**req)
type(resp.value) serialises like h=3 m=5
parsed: h=1 m=56
